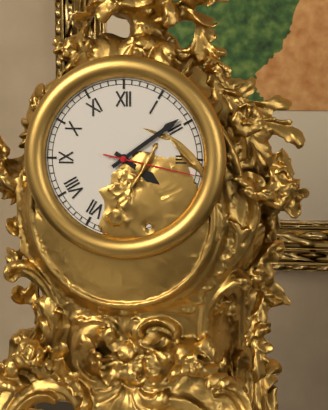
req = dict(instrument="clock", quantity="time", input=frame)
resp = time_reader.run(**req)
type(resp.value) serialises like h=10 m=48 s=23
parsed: h=4 m=9 s=17
